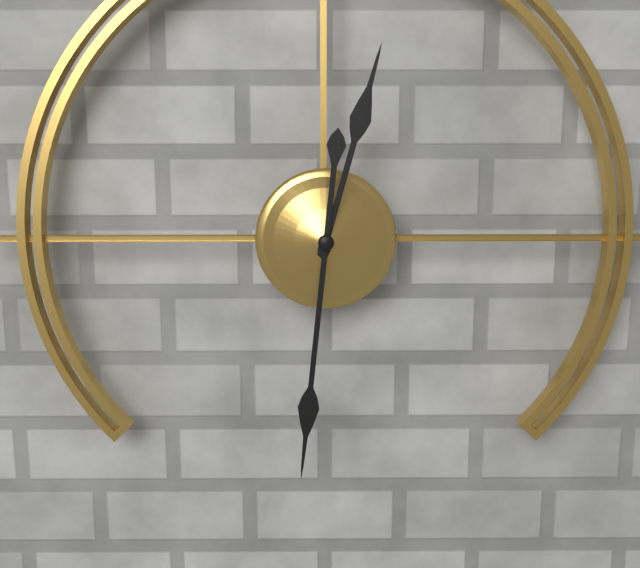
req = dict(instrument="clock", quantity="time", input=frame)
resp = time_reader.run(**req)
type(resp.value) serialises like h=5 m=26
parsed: h=12 m=31
